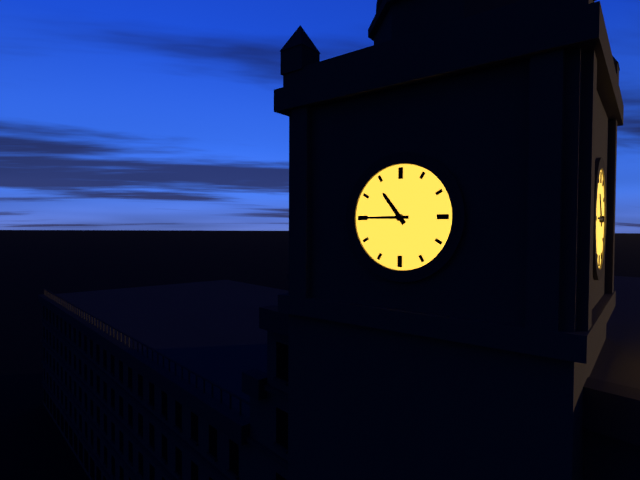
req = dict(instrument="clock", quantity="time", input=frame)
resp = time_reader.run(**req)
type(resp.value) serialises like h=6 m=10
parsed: h=10 m=45
